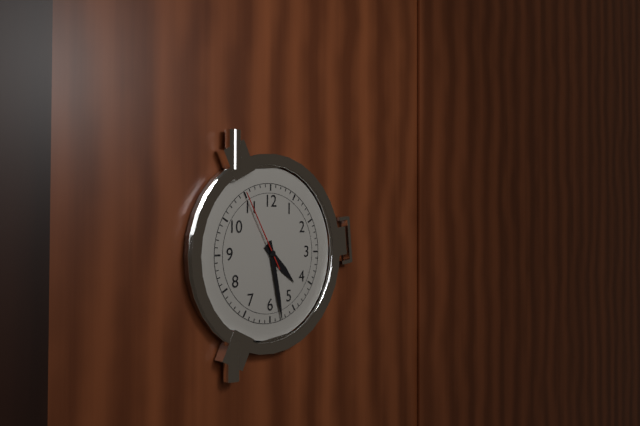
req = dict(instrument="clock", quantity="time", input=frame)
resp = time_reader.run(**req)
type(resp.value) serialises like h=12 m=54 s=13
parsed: h=4 m=28 s=55
